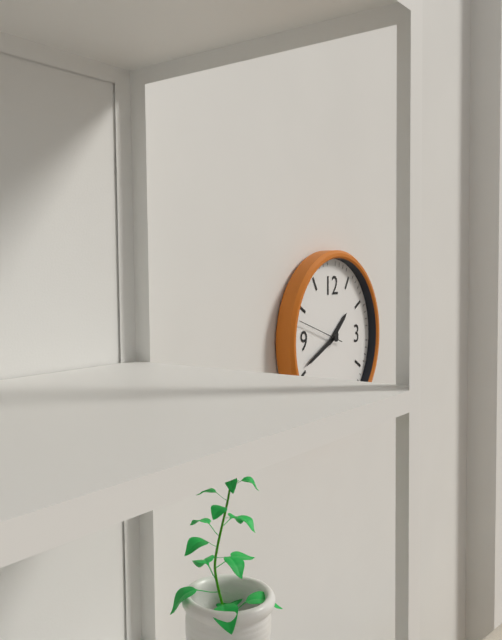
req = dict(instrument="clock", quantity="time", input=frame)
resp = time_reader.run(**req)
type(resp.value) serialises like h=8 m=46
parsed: h=1 m=41
